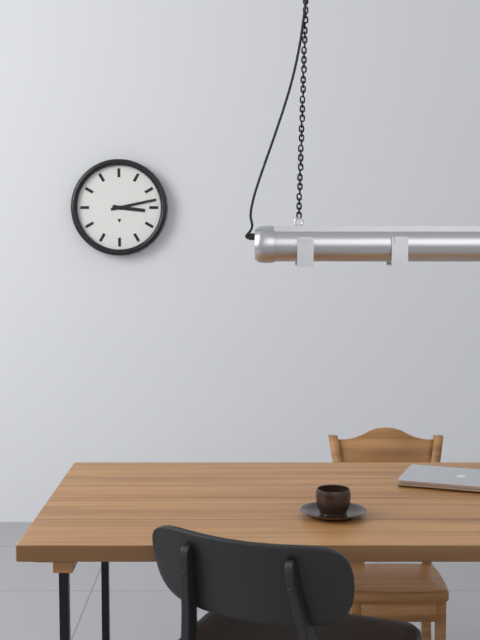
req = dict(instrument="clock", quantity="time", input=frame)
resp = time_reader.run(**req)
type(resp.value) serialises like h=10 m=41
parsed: h=3 m=13
